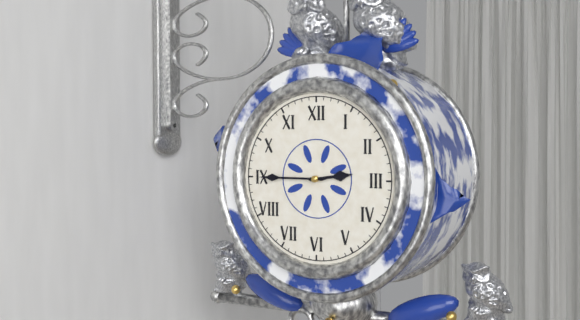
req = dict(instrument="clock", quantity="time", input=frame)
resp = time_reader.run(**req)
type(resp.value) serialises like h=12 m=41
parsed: h=2 m=45
